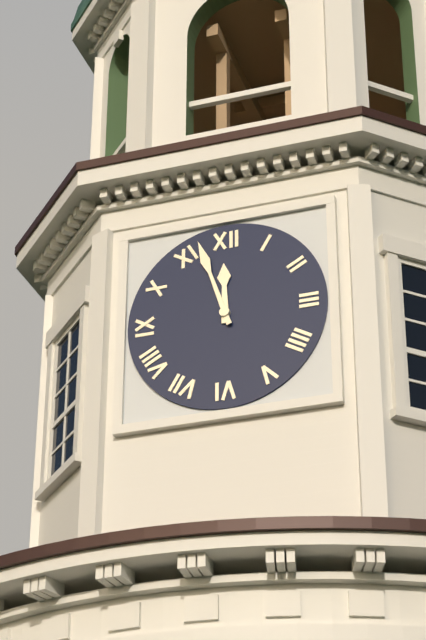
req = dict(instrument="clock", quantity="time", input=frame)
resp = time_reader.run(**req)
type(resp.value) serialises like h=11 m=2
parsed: h=11 m=57
